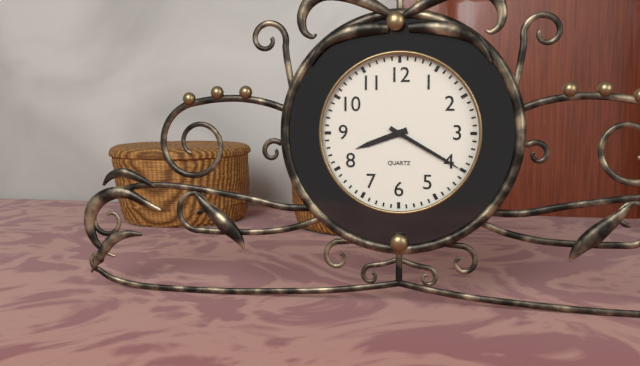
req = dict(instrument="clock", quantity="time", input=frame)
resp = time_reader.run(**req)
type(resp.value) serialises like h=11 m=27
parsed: h=8 m=20
